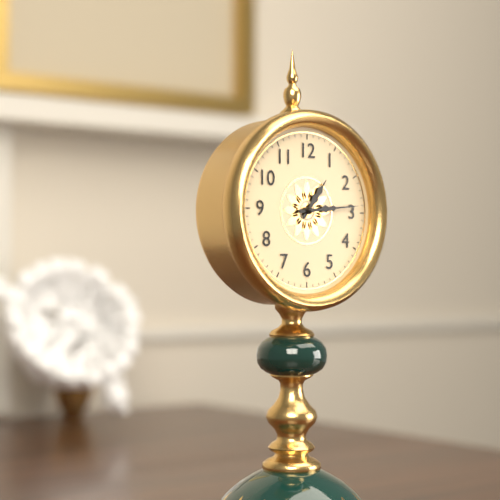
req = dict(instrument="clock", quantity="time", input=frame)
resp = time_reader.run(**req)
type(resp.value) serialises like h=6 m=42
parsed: h=1 m=14
